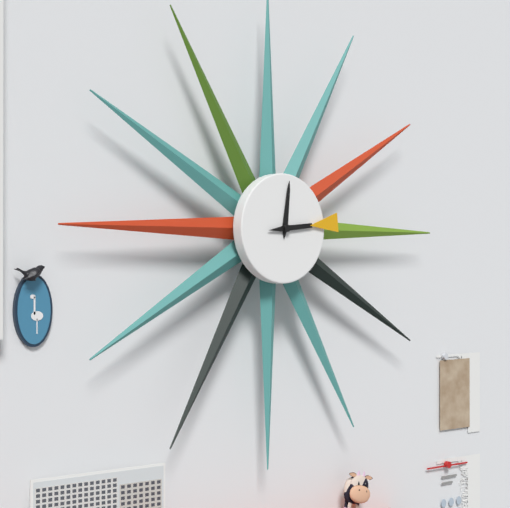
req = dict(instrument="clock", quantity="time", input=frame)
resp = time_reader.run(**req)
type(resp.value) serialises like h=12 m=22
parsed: h=12 m=14
